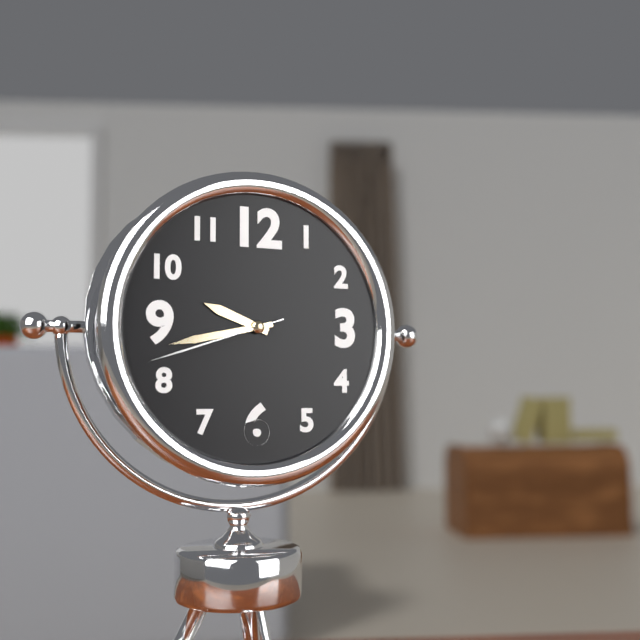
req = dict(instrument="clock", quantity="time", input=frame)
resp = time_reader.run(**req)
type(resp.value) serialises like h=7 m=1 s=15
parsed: h=9 m=43 s=42
